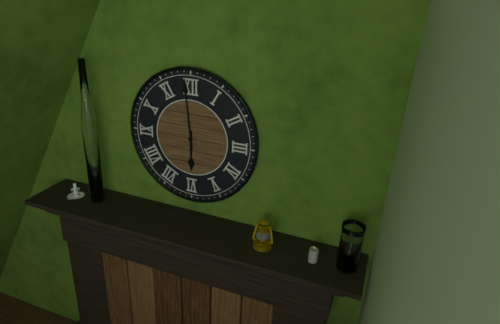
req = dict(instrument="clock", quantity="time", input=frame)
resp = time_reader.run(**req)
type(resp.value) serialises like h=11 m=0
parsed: h=5 m=59
